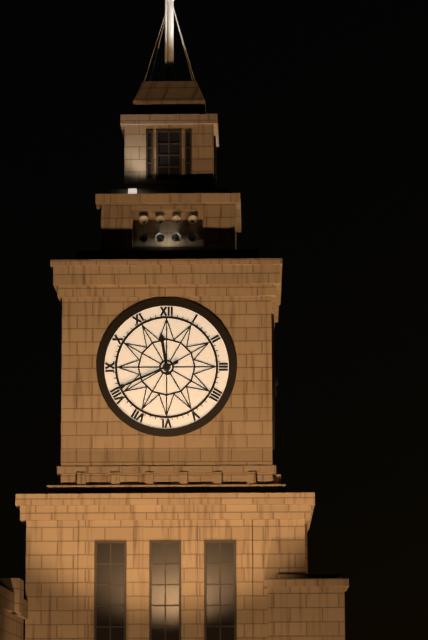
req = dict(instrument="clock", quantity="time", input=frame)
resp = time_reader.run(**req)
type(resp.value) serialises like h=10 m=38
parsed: h=11 m=41
